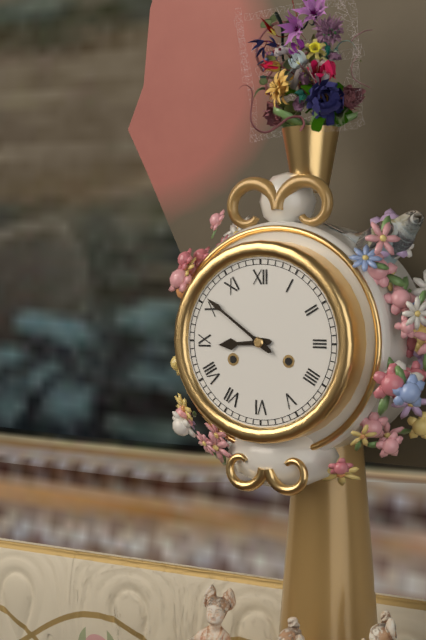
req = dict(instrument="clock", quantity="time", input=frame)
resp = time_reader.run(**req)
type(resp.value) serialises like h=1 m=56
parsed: h=8 m=51
